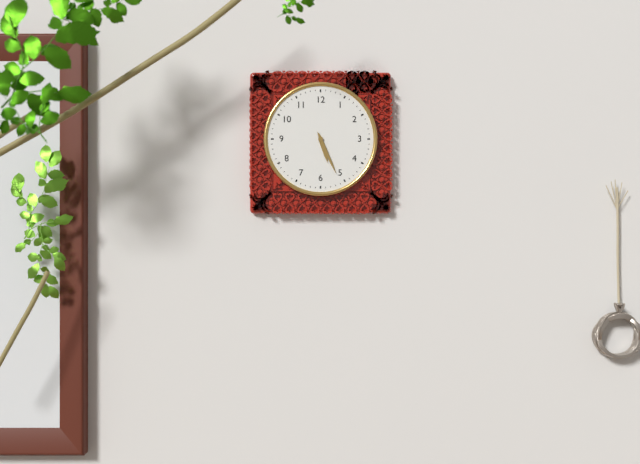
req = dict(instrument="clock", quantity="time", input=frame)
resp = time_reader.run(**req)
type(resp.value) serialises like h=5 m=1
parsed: h=5 m=26
